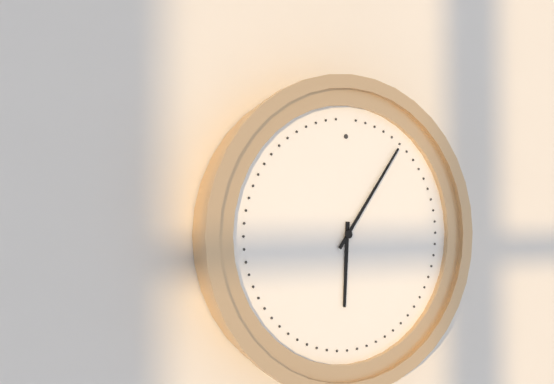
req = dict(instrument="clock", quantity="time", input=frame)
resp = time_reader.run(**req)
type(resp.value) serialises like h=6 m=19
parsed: h=6 m=6
